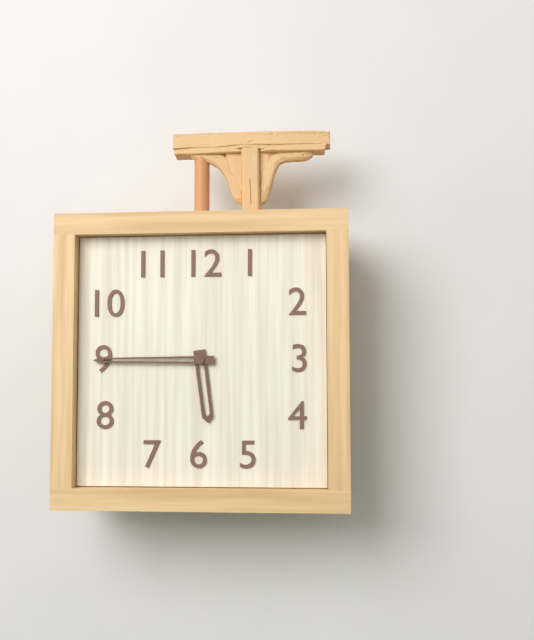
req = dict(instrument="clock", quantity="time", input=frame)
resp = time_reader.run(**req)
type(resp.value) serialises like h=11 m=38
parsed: h=5 m=45
